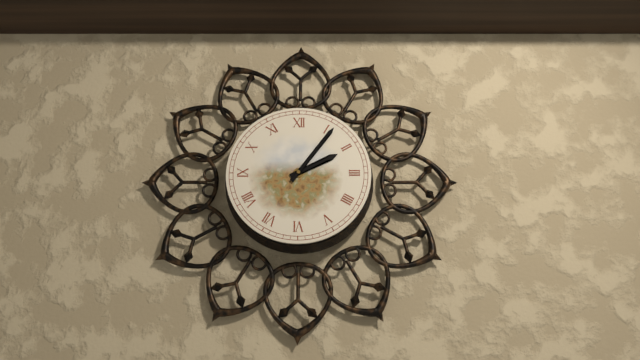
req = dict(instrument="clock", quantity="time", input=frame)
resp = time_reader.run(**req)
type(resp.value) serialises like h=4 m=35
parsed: h=2 m=6
